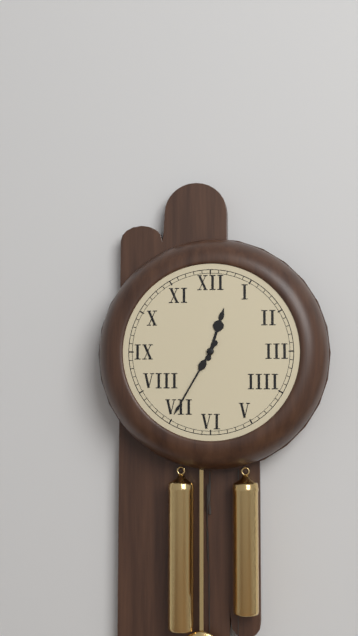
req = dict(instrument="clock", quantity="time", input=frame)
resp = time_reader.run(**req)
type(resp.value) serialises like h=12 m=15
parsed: h=12 m=35
